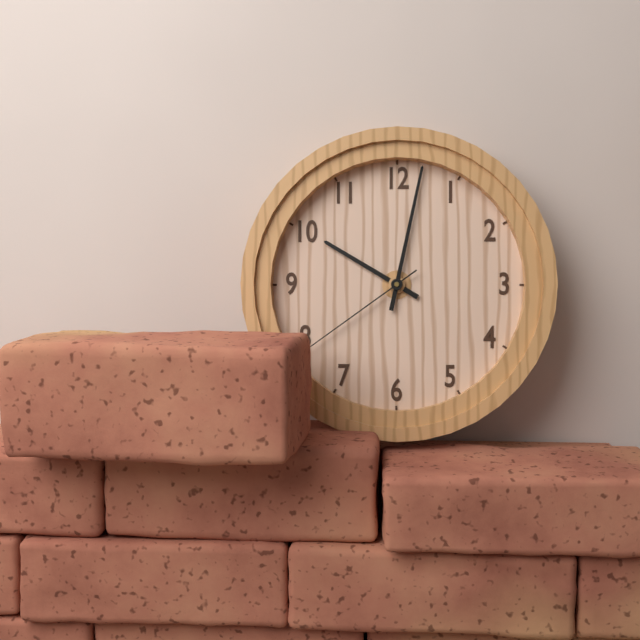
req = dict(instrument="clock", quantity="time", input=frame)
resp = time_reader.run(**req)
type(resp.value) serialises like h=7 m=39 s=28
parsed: h=10 m=2 s=39
